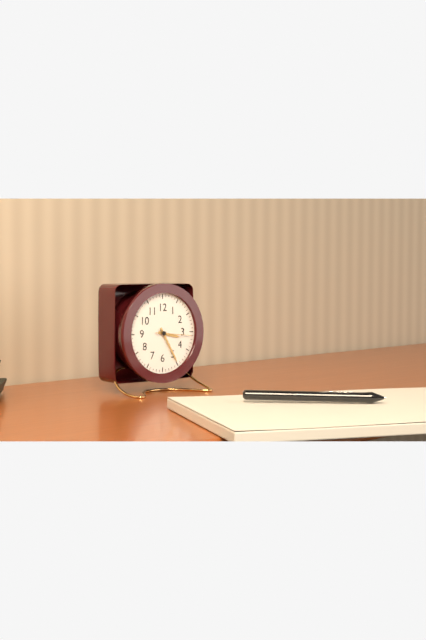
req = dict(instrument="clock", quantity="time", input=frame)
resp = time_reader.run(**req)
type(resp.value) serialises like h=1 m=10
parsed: h=3 m=25
